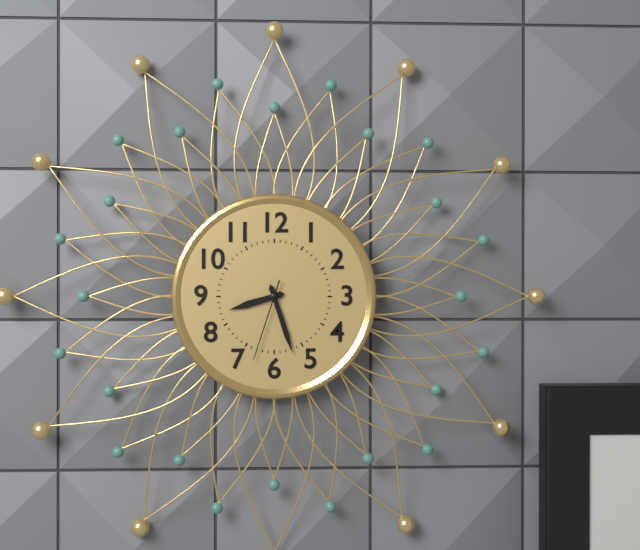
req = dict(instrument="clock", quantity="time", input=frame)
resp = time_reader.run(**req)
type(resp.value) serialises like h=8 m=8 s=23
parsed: h=8 m=27 s=33
